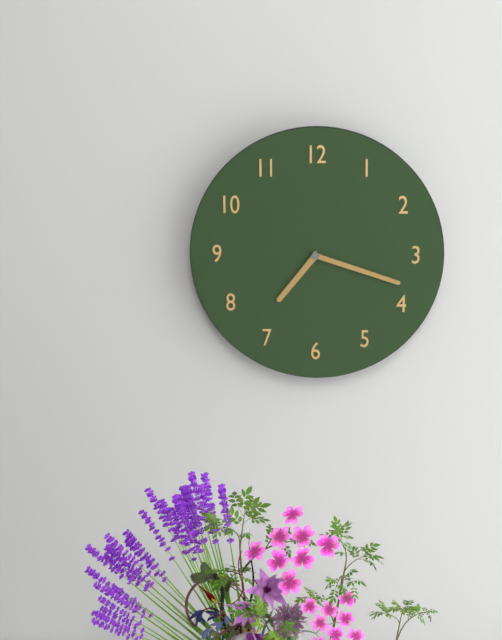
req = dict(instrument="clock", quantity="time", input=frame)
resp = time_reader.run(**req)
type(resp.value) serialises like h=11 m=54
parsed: h=7 m=18
